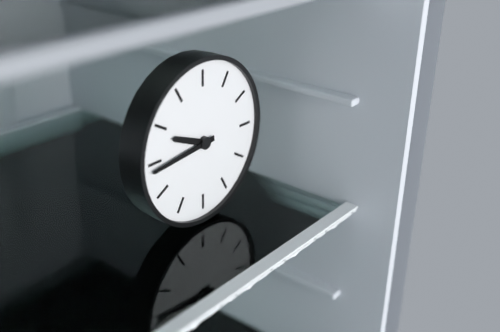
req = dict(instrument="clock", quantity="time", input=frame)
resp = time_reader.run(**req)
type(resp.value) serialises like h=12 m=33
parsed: h=9 m=44
